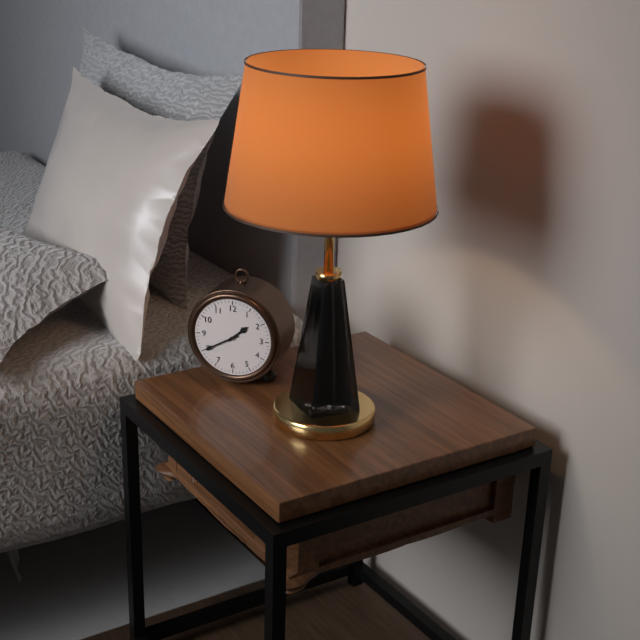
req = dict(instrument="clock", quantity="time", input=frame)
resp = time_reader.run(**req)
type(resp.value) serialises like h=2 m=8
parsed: h=1 m=40
